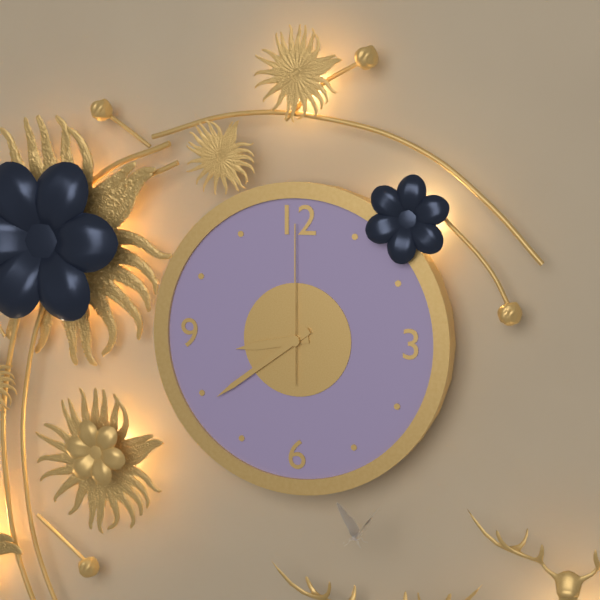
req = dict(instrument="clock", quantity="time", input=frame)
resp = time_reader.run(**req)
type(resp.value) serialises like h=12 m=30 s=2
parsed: h=8 m=39 s=0
